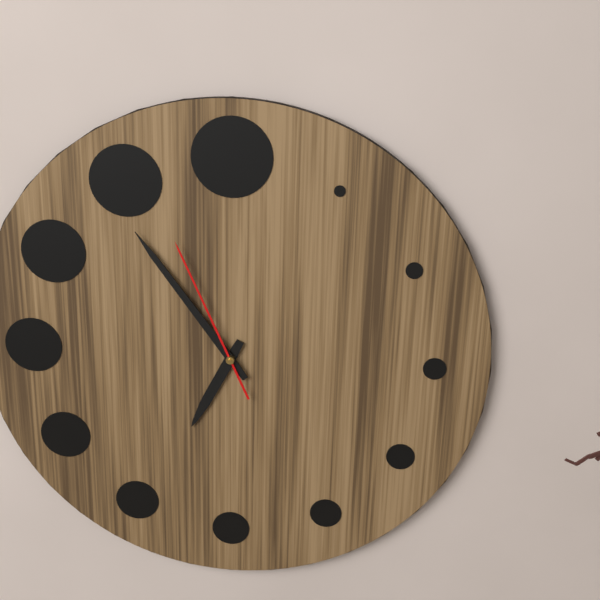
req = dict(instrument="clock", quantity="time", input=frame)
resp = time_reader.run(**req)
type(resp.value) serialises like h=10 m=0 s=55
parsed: h=6 m=54 s=56
